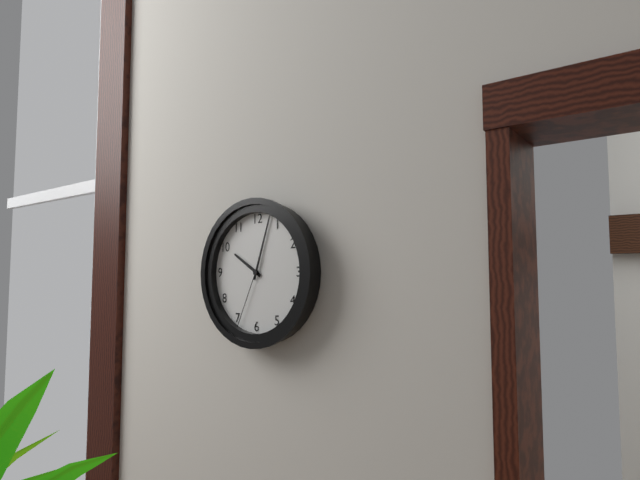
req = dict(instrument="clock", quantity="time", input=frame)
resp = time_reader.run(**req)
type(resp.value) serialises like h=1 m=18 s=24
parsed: h=10 m=3 s=34
